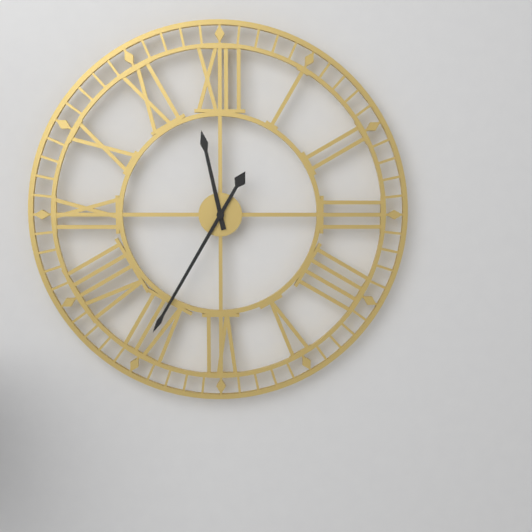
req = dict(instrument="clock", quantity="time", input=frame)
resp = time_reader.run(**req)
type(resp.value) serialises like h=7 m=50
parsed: h=11 m=35
